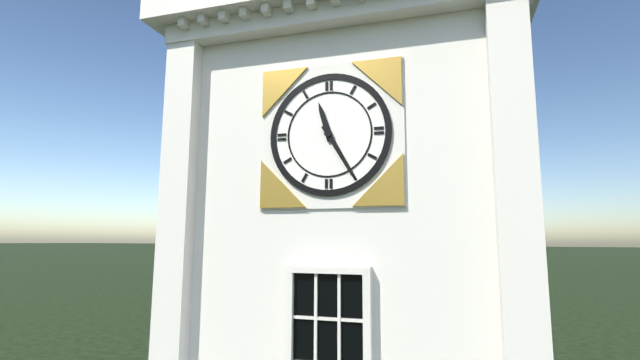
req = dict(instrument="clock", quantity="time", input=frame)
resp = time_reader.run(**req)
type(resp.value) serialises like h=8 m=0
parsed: h=11 m=25
